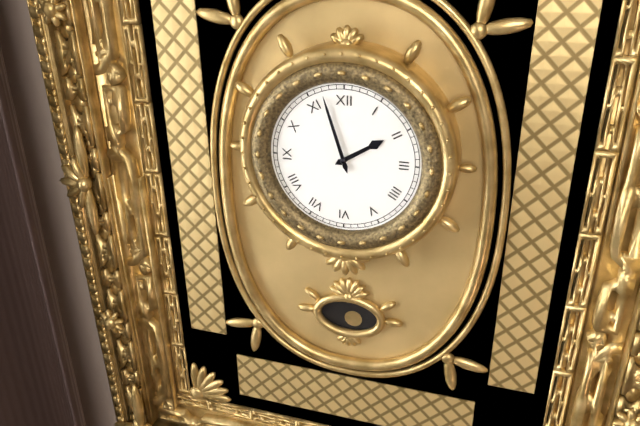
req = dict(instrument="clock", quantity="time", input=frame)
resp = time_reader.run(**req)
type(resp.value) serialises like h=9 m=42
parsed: h=1 m=57
